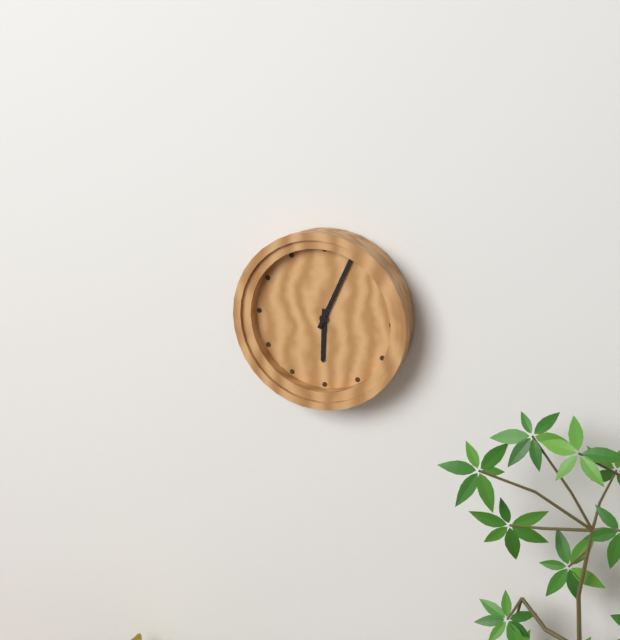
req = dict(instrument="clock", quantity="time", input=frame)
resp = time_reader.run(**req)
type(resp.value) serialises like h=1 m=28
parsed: h=6 m=4
